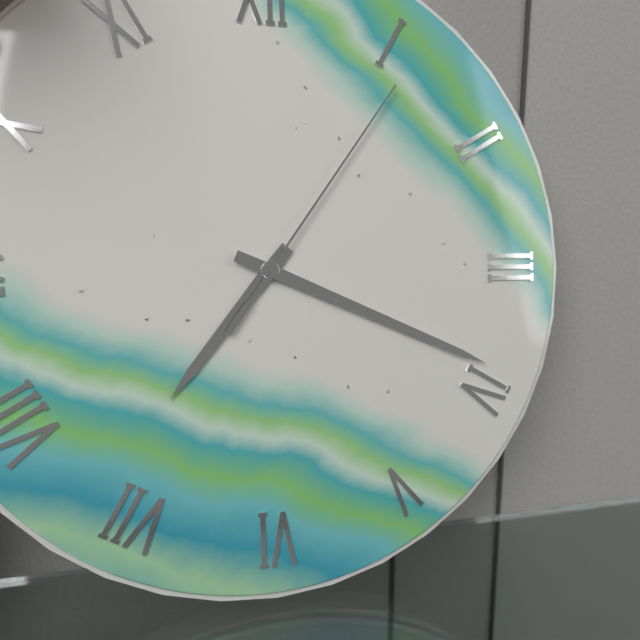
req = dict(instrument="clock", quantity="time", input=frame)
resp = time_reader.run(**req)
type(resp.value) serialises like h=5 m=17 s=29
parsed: h=7 m=19 s=6
